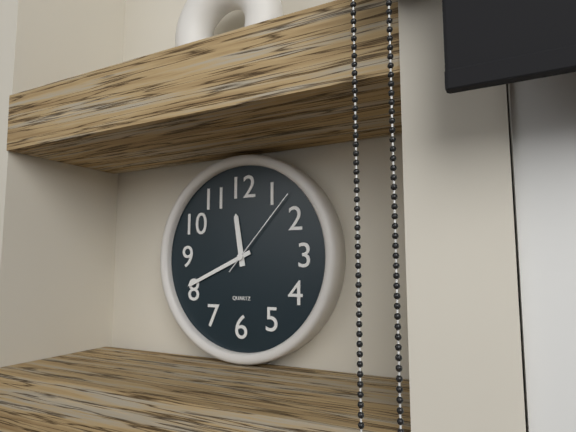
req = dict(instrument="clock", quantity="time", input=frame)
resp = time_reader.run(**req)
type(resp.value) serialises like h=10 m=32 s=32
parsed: h=11 m=41 s=7
